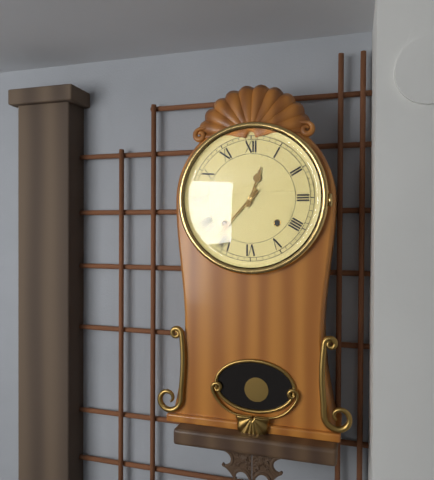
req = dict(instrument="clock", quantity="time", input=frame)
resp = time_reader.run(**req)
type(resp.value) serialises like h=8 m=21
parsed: h=12 m=37
